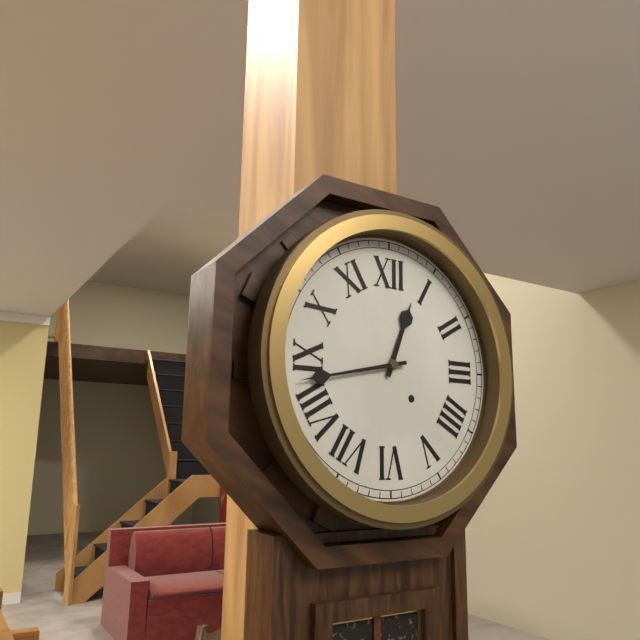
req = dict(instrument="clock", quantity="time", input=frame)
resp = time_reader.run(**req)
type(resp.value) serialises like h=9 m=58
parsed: h=12 m=43
